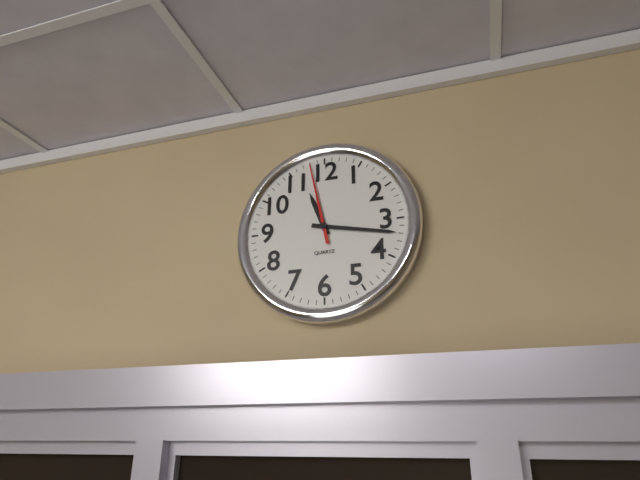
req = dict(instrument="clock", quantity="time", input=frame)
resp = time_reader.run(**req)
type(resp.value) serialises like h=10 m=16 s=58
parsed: h=11 m=17 s=58
